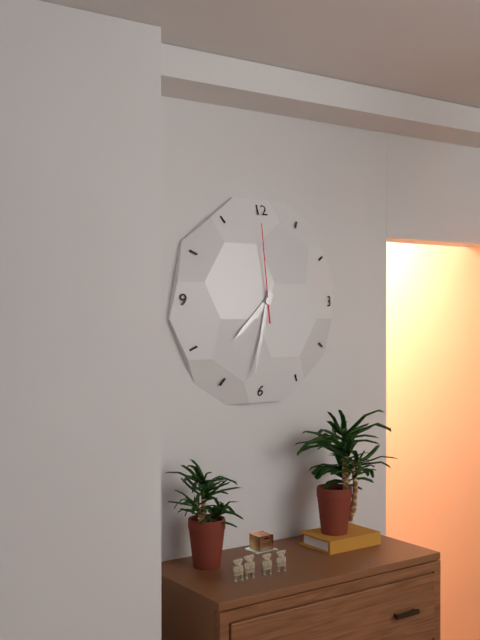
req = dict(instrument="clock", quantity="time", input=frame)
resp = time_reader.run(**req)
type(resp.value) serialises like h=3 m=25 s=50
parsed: h=7 m=32 s=59
